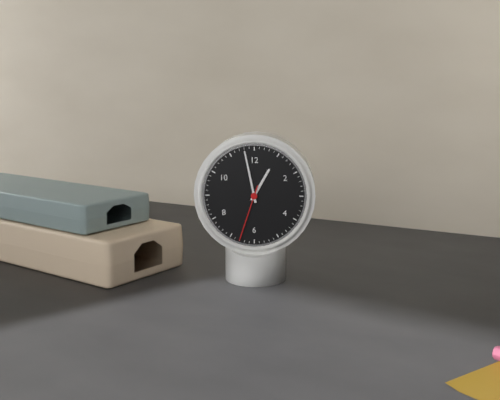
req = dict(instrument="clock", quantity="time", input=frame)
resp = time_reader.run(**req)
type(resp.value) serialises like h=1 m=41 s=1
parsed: h=12 m=58 s=33
